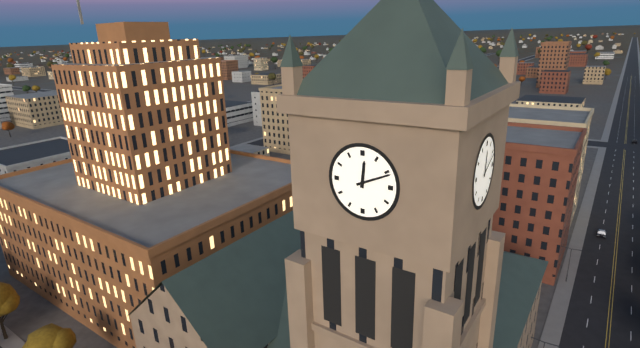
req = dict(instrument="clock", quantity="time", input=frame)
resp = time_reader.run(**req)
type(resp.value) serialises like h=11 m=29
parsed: h=12 m=11
